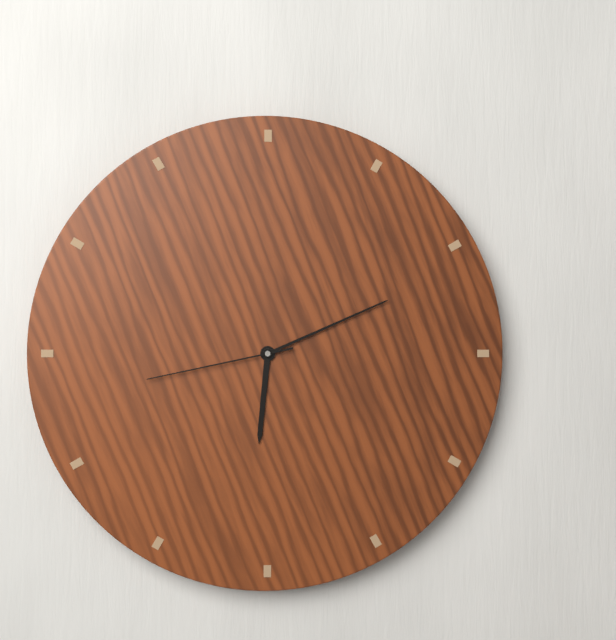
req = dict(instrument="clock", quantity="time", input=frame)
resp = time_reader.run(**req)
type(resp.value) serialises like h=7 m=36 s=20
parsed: h=6 m=11 s=43
